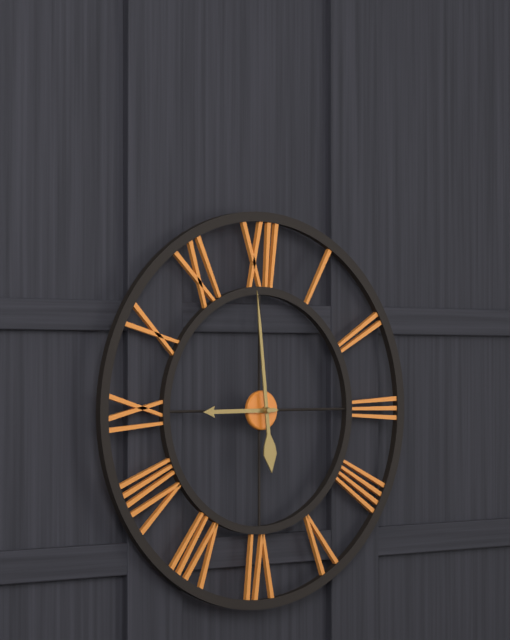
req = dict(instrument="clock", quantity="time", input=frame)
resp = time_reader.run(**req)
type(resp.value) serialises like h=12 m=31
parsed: h=8 m=59
